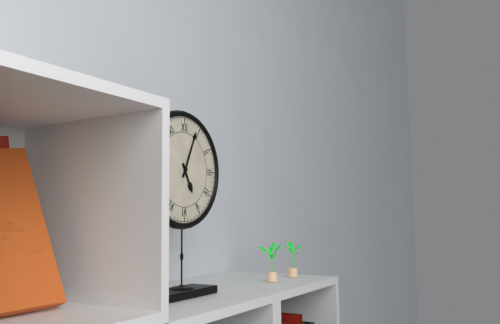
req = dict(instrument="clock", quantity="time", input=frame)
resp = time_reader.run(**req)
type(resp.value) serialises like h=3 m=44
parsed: h=5 m=4
